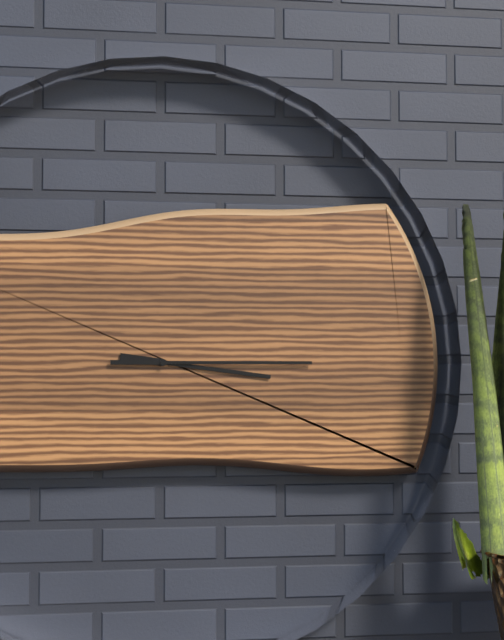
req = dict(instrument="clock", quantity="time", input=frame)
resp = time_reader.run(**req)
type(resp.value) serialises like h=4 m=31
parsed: h=3 m=15
